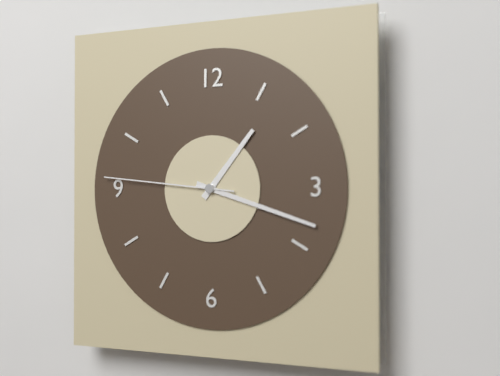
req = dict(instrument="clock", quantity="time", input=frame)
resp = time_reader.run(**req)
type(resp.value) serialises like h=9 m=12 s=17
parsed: h=1 m=18 s=46
